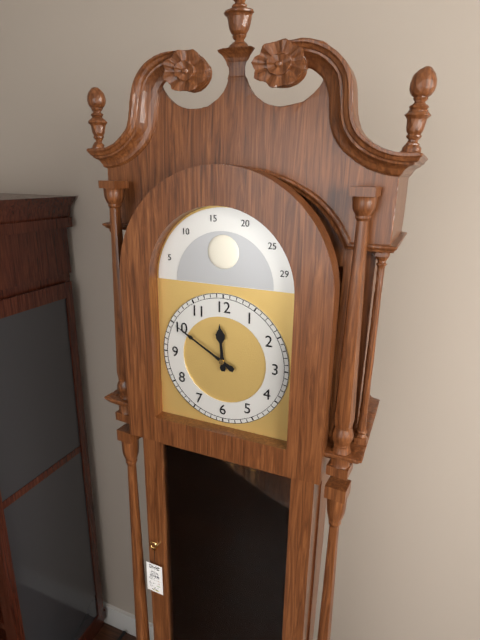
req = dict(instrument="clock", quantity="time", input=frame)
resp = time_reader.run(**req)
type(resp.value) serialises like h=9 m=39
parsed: h=11 m=50
